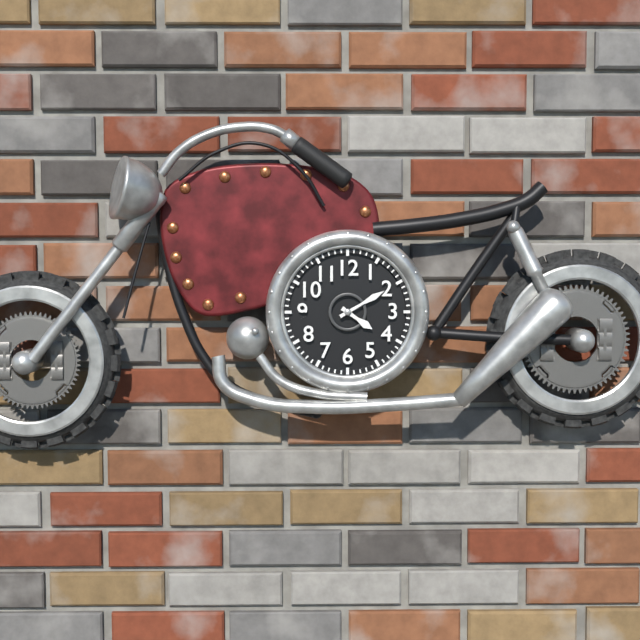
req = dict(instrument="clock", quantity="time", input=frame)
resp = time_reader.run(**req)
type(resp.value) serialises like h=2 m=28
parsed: h=4 m=10
